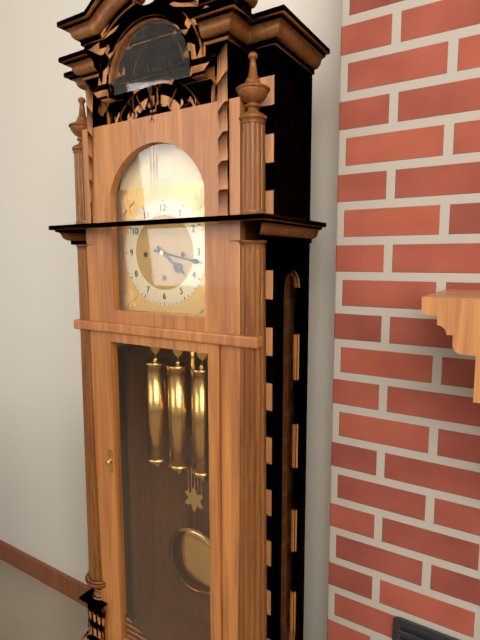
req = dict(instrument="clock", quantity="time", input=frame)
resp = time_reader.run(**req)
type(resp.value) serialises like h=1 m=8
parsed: h=4 m=17
